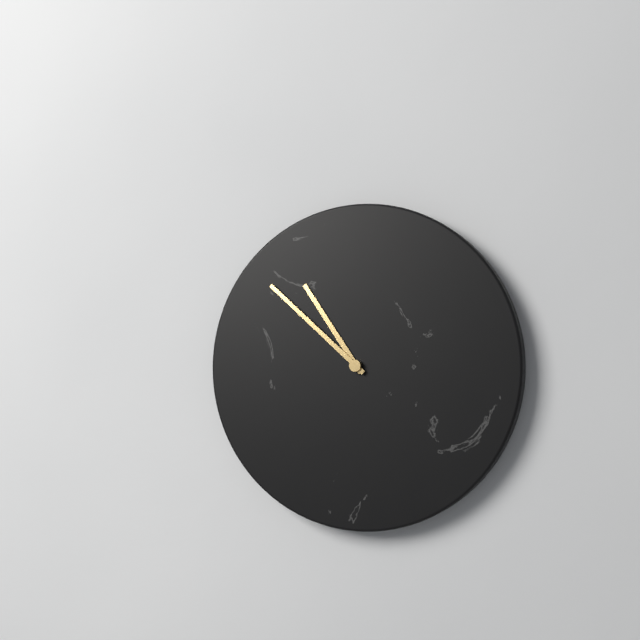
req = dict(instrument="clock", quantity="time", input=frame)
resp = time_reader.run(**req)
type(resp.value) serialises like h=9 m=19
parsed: h=10 m=52
